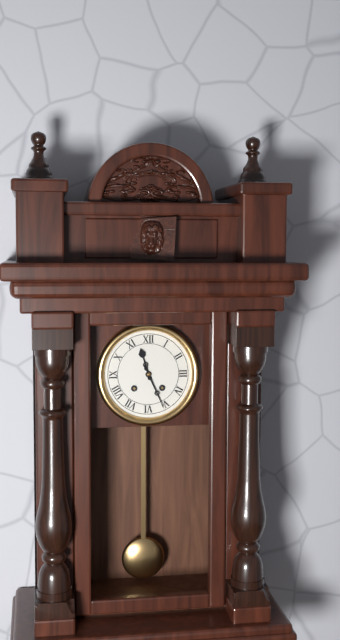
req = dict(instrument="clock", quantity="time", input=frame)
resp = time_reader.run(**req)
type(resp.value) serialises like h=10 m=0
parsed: h=11 m=26
